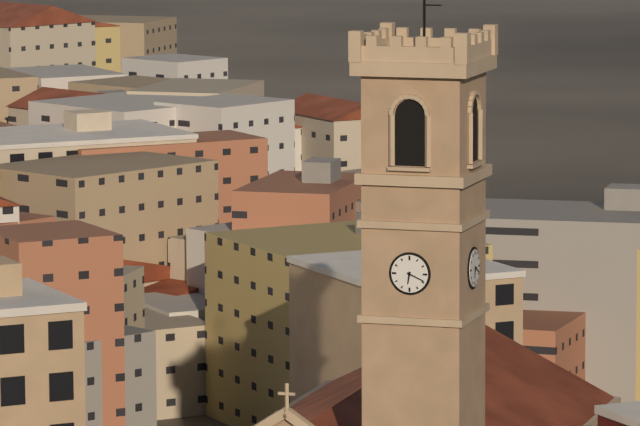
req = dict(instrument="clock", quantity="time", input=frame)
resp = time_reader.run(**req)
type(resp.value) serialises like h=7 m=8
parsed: h=6 m=19
